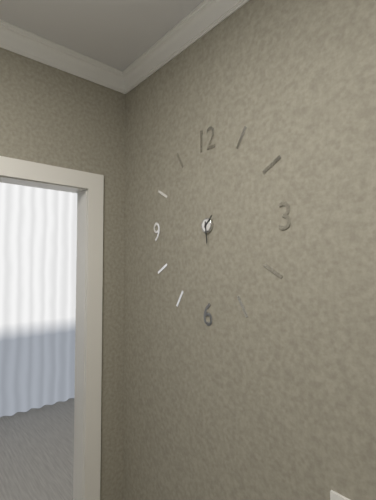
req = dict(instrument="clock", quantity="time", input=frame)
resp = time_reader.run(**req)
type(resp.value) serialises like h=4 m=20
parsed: h=1 m=29
